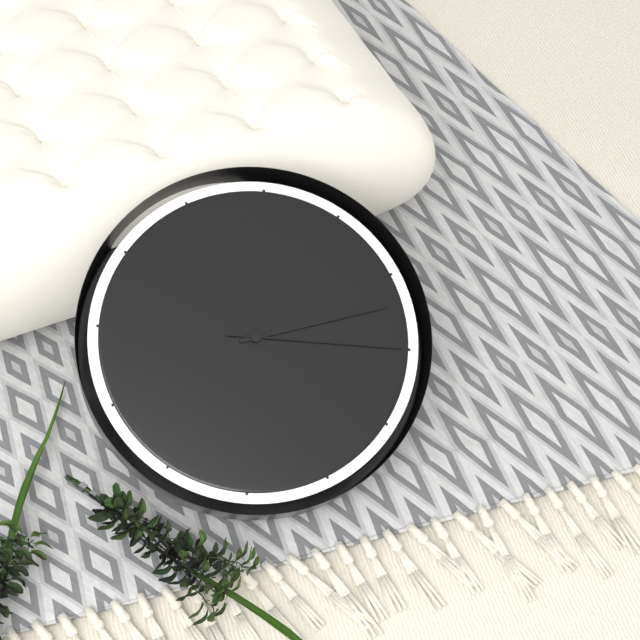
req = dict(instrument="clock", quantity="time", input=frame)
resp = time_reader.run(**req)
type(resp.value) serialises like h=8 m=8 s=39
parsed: h=11 m=17 s=20
